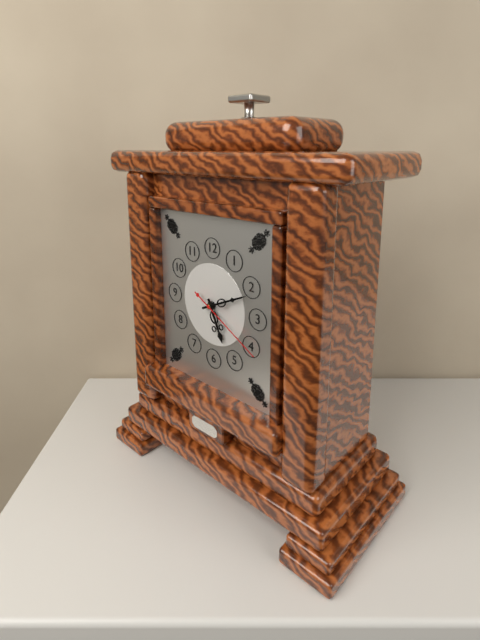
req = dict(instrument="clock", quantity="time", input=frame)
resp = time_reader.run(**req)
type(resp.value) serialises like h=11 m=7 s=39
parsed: h=5 m=11 s=20
